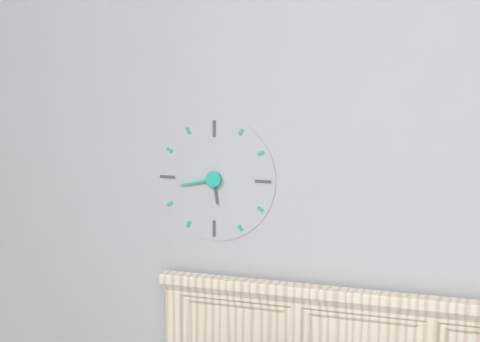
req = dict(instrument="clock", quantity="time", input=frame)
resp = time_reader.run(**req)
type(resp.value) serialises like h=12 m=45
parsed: h=5 m=43
